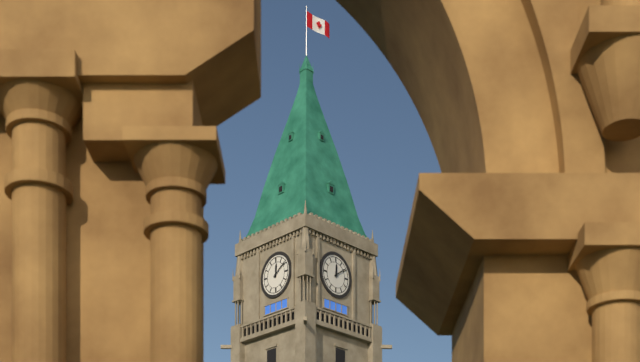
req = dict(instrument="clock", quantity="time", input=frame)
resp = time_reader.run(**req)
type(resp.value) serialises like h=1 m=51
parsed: h=12 m=9
